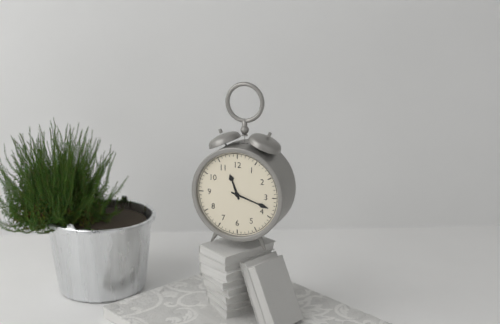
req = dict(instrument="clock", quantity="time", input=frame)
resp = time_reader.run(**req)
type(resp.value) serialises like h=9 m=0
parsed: h=11 m=18
